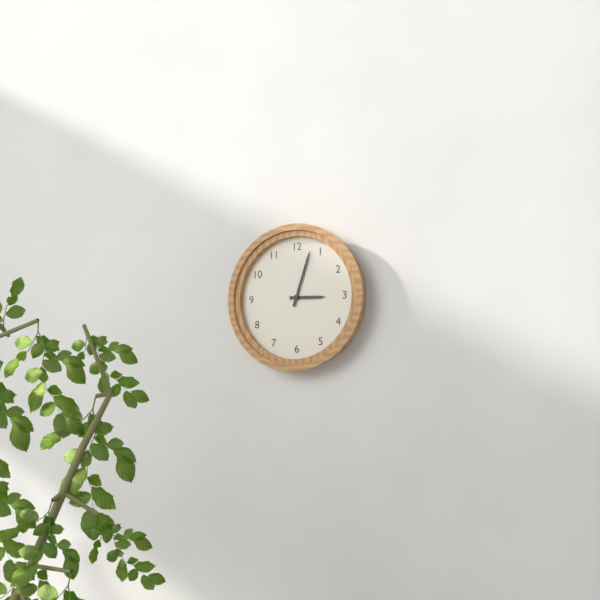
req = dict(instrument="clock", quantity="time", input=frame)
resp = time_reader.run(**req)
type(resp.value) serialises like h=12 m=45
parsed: h=3 m=3
